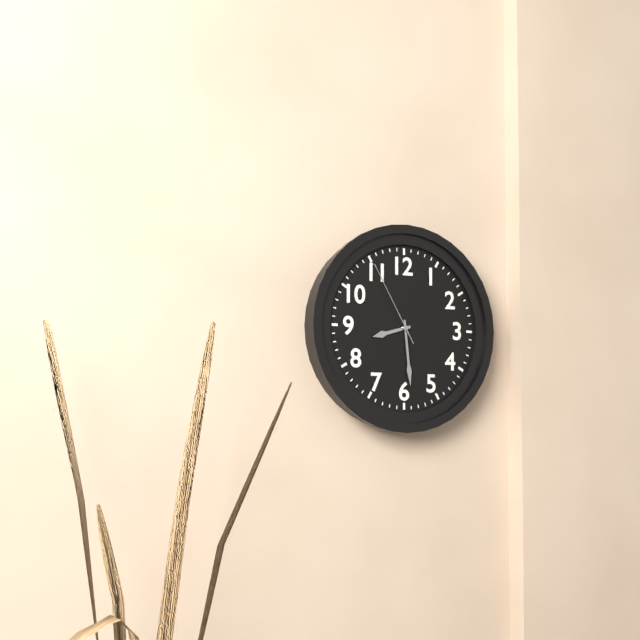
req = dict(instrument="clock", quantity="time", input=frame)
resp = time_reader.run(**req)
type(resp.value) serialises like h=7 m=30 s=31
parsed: h=8 m=29 s=55
